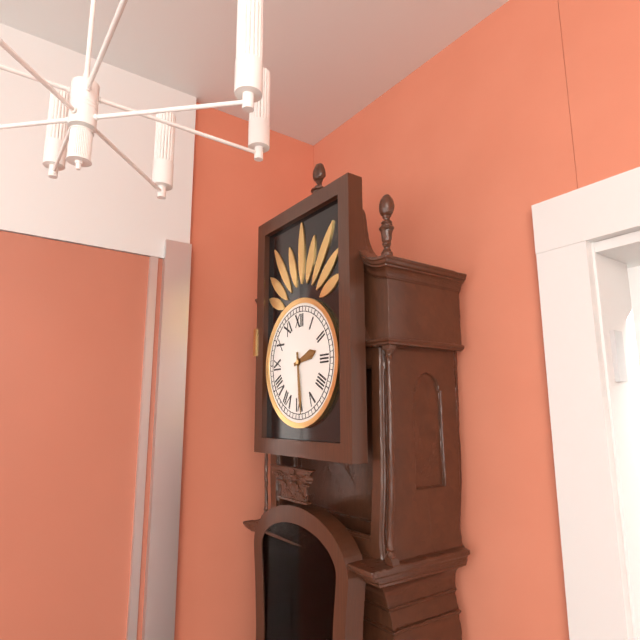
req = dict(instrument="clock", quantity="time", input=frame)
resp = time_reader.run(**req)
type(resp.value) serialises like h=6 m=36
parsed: h=2 m=29
